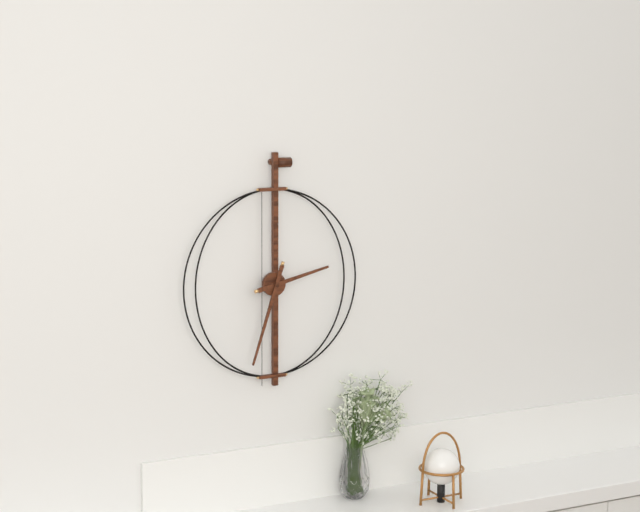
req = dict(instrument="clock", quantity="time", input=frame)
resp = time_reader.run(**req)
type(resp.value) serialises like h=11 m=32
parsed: h=2 m=33
